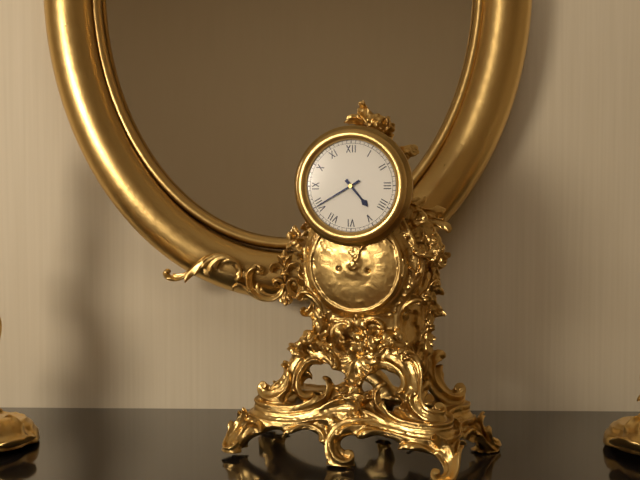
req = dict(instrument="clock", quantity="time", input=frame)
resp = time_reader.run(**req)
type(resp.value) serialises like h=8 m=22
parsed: h=4 m=40
